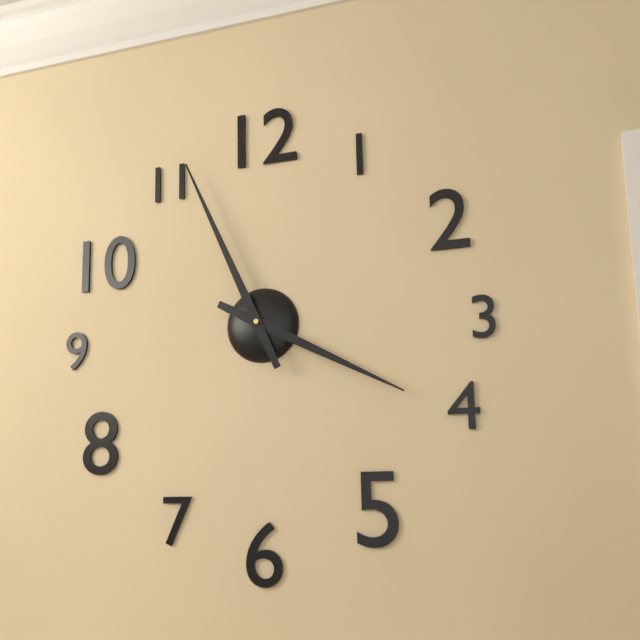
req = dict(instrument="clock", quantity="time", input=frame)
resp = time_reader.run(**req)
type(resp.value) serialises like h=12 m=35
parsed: h=3 m=56
